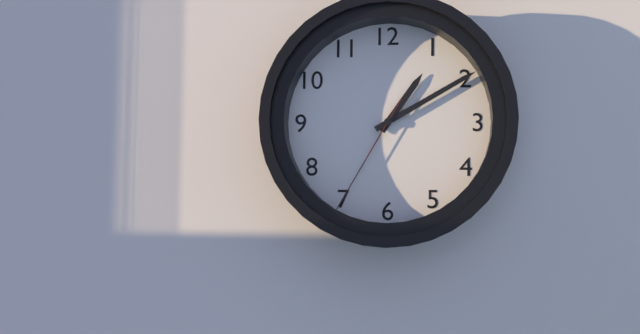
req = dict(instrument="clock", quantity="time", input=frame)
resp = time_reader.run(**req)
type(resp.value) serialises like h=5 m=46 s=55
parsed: h=1 m=10 s=35
